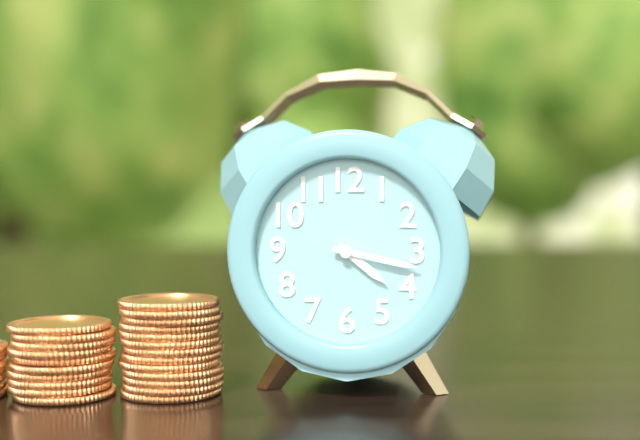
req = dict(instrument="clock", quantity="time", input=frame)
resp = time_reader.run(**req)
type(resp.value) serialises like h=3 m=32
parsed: h=4 m=17
